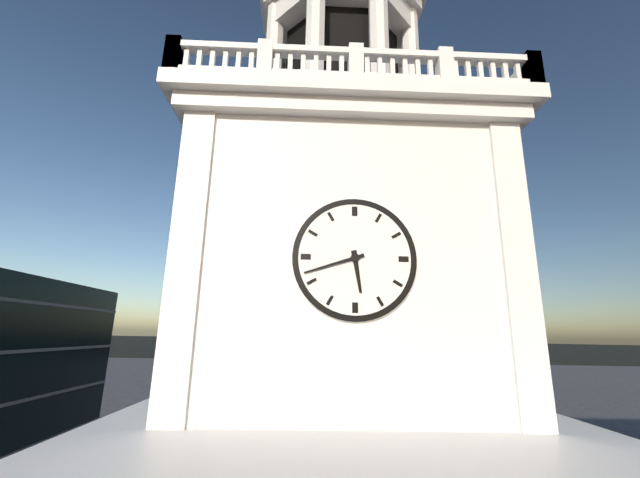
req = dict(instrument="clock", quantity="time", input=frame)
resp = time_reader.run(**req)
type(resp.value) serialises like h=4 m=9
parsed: h=5 m=42
